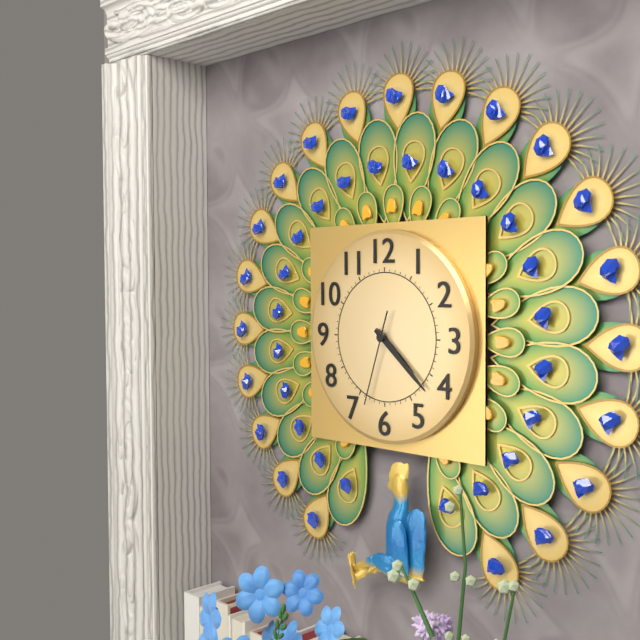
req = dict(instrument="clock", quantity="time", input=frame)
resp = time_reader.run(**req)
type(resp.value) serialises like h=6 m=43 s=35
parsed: h=4 m=22 s=33
